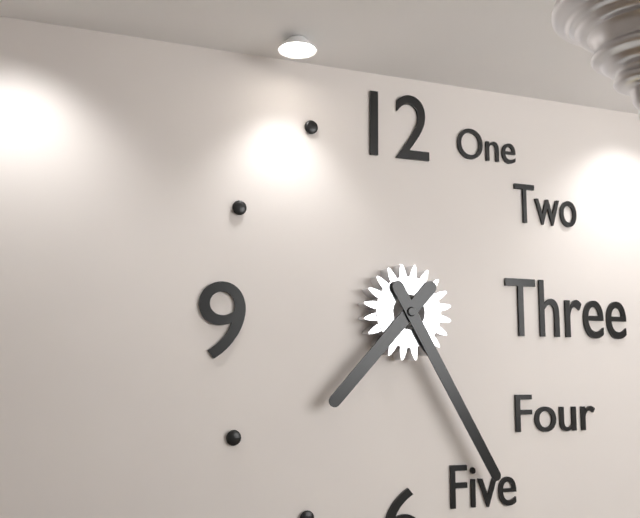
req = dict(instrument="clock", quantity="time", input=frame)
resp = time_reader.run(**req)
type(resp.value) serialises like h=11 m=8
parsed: h=7 m=25
